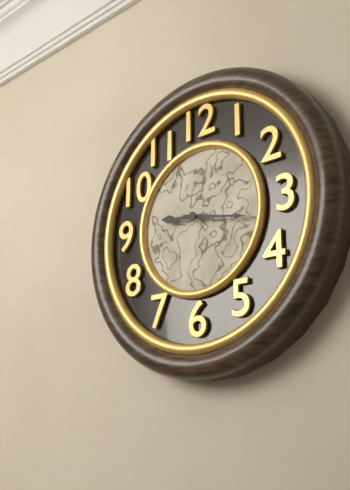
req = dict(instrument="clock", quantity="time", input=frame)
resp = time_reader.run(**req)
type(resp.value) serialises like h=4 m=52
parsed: h=9 m=17
